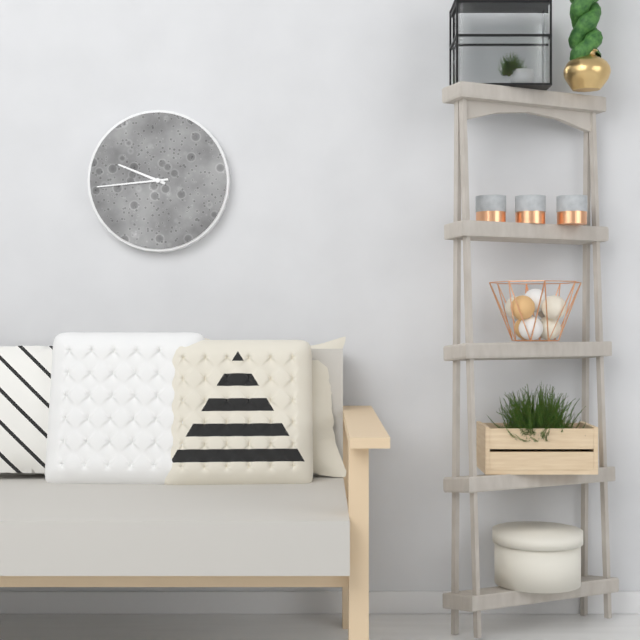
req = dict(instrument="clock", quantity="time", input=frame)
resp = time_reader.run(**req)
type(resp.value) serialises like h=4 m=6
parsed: h=9 m=44
